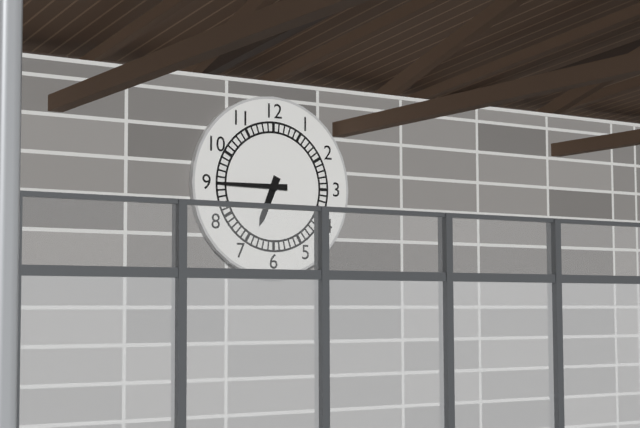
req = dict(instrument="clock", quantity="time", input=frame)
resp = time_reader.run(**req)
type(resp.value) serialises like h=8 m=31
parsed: h=6 m=45
